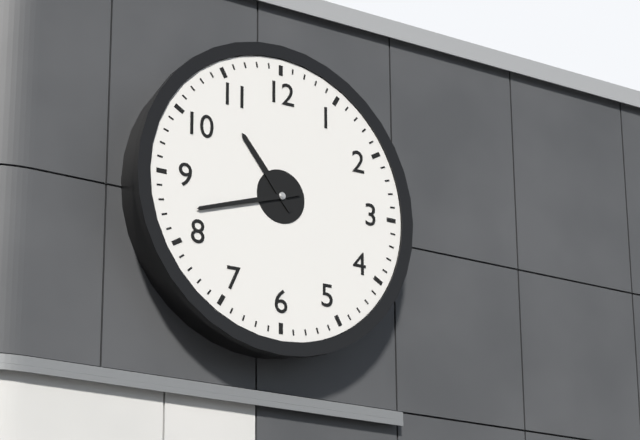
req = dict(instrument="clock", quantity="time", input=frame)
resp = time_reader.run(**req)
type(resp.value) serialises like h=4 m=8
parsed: h=10 m=42
